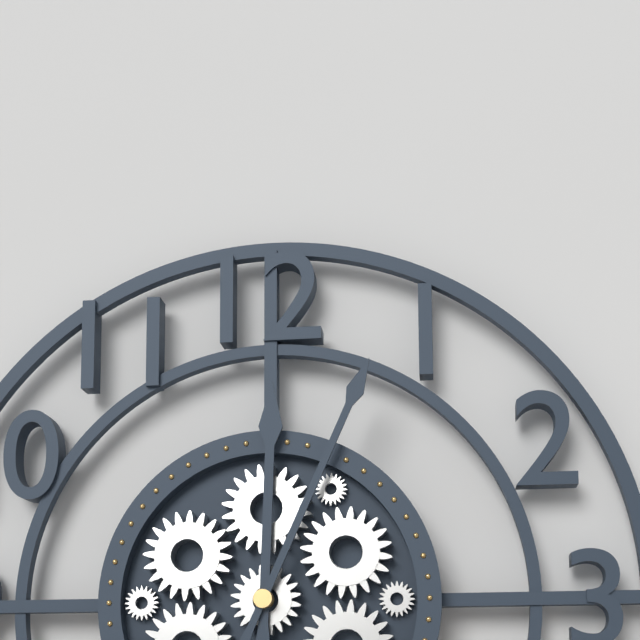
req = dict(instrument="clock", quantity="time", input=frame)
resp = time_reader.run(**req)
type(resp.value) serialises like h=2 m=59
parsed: h=12 m=4
